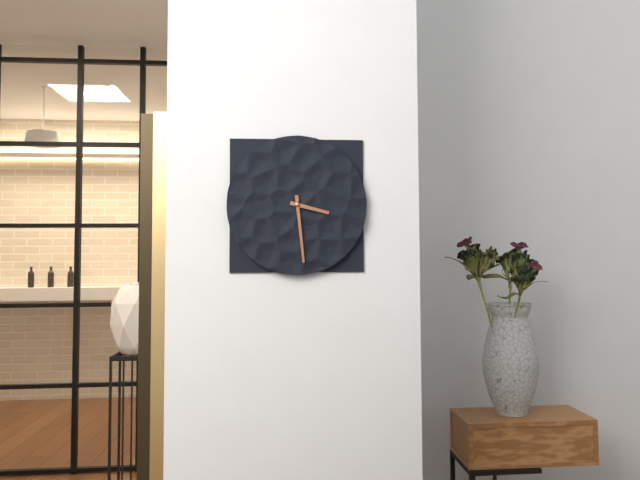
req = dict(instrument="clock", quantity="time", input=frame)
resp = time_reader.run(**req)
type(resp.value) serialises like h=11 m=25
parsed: h=3 m=29
